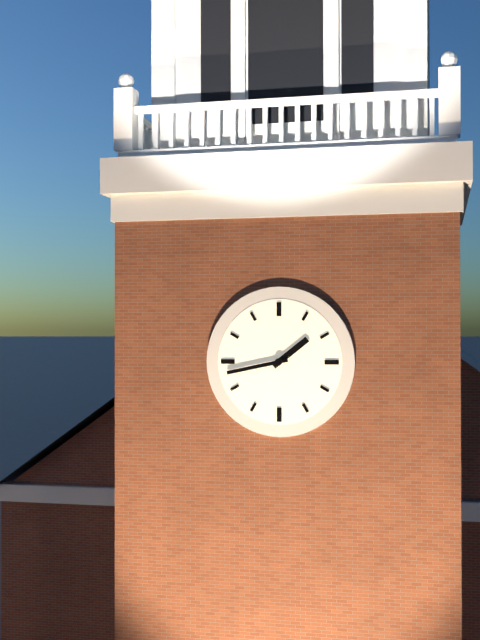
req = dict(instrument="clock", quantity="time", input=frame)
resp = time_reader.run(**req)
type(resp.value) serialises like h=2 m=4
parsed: h=1 m=43
